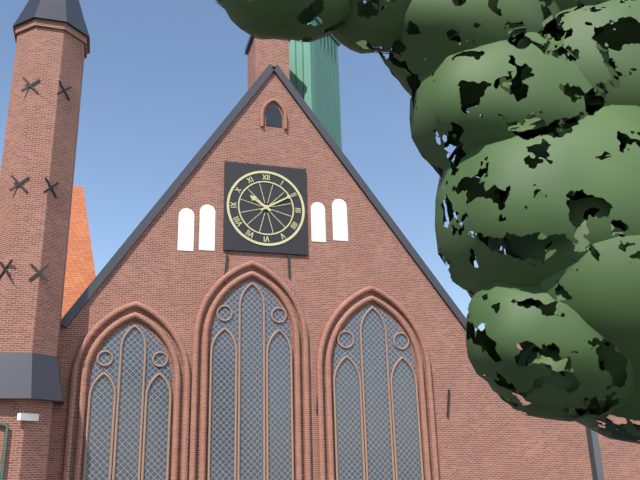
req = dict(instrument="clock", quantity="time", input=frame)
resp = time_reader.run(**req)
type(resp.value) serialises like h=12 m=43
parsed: h=10 m=10
